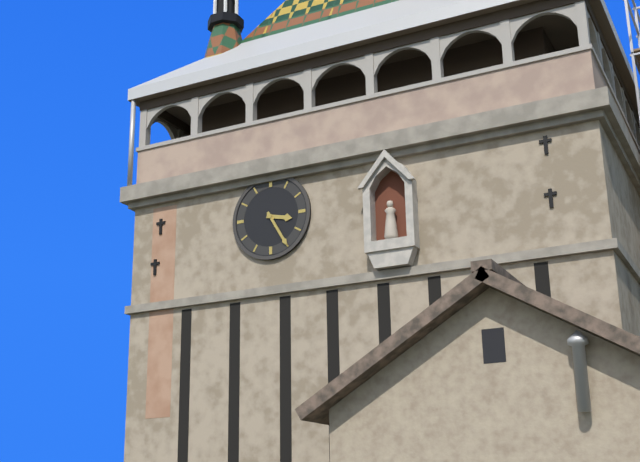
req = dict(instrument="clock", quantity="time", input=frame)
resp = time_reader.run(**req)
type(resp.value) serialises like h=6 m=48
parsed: h=3 m=25
